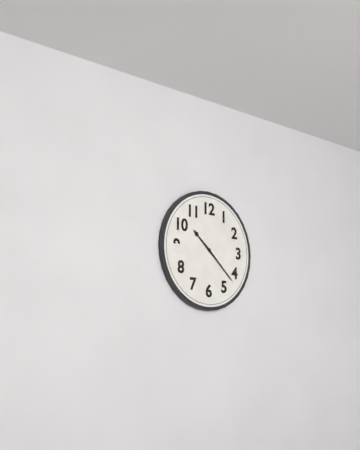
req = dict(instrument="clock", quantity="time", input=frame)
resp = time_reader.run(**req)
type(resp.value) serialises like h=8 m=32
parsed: h=10 m=22
